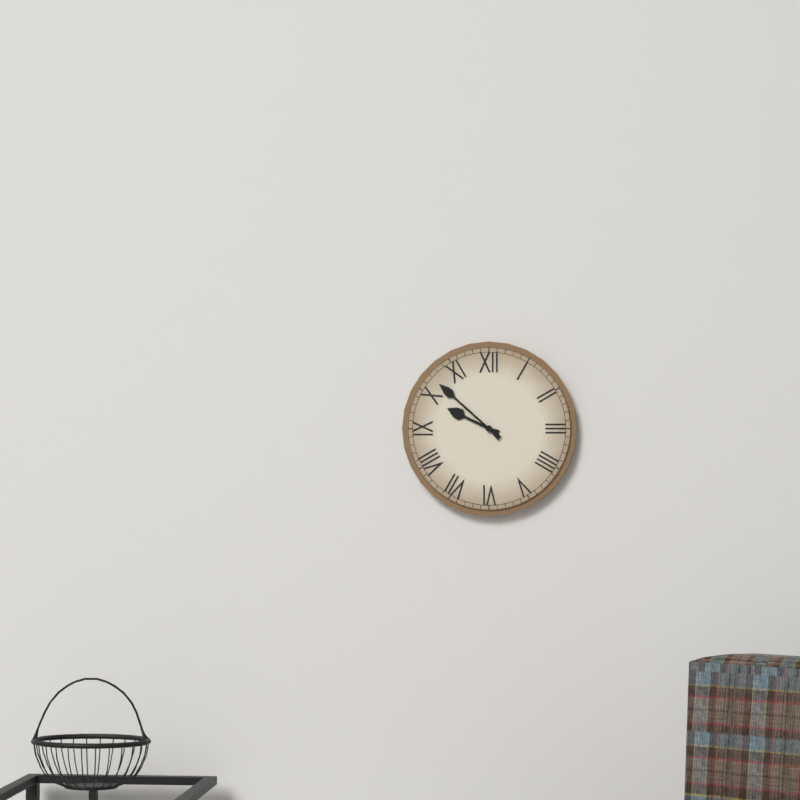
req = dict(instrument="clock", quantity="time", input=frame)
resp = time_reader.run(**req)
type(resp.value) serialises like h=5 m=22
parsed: h=9 m=52
